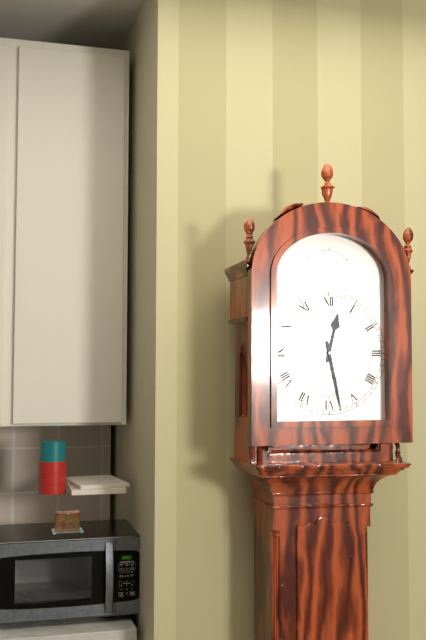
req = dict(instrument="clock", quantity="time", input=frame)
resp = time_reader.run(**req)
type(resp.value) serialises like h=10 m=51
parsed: h=12 m=28
